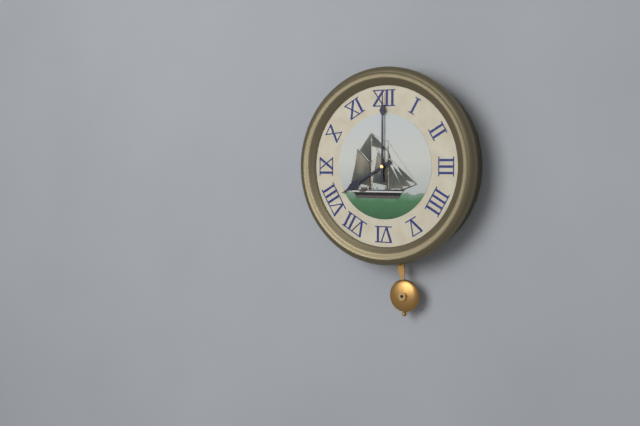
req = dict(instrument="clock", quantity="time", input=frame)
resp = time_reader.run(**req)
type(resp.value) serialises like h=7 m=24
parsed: h=8 m=0
